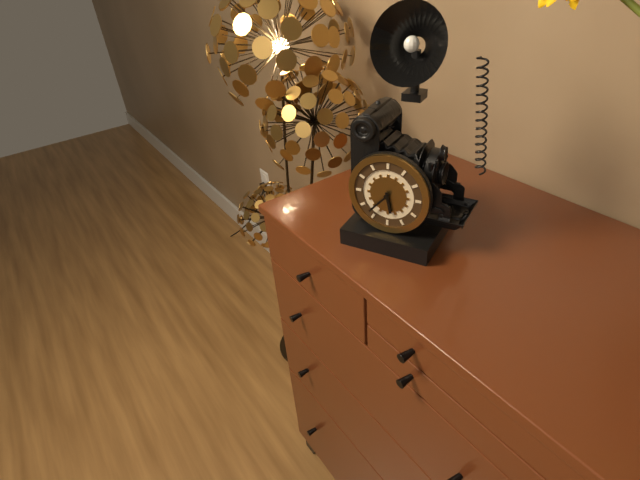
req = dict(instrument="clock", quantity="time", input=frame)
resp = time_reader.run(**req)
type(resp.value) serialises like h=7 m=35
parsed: h=5 m=37
